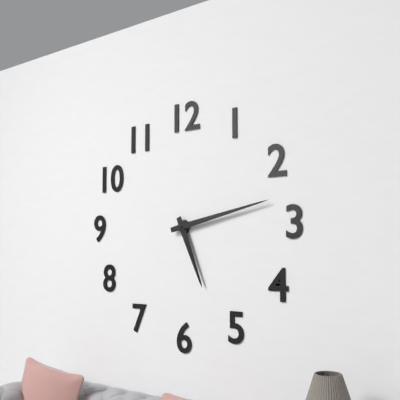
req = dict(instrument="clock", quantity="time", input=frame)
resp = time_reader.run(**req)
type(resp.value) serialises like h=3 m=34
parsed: h=5 m=13
